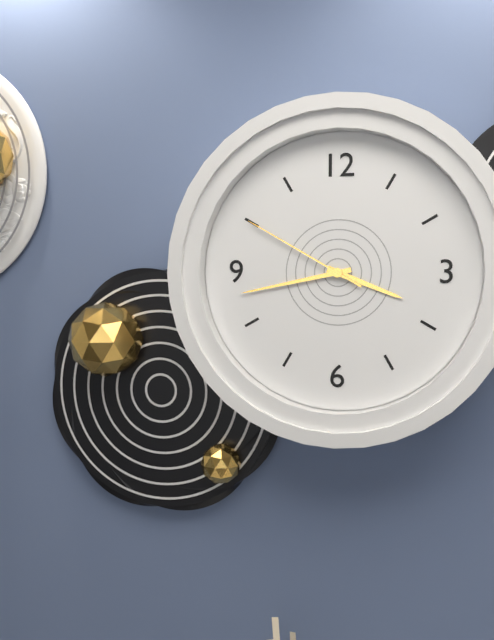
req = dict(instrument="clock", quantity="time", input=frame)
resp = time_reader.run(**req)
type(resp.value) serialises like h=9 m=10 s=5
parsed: h=3 m=43 s=50
